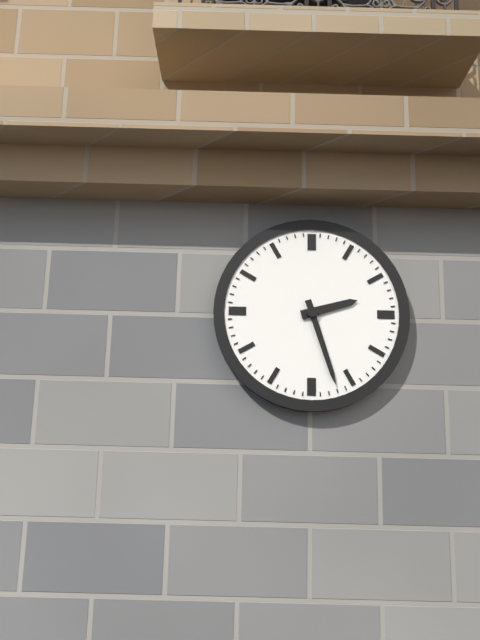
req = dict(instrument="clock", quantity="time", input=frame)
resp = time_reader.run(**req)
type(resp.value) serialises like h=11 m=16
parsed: h=2 m=27
